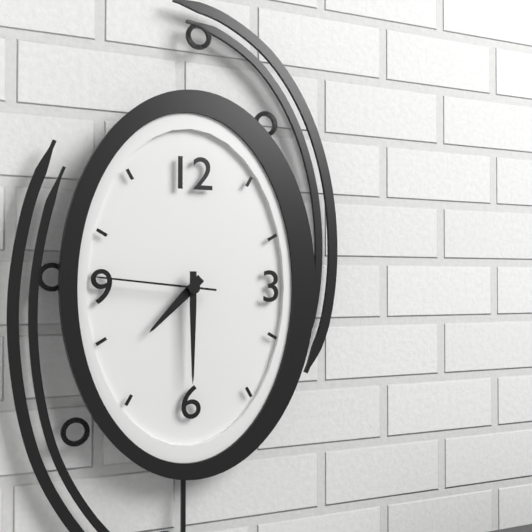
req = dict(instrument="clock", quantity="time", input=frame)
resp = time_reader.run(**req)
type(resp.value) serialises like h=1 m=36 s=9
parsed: h=7 m=30 s=46
